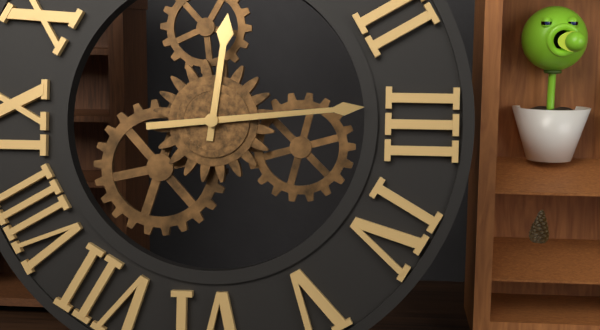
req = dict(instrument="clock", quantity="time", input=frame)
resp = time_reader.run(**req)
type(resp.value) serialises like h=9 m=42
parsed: h=12 m=14
